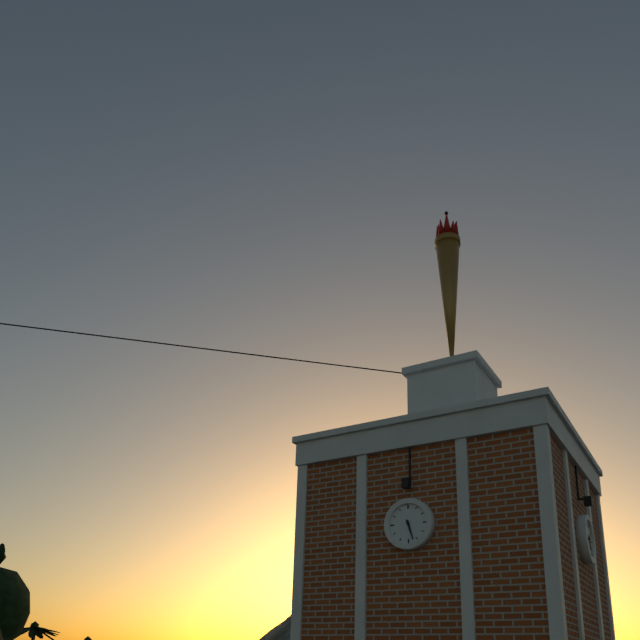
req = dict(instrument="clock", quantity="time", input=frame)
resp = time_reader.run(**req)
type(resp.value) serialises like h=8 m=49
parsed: h=5 m=27
